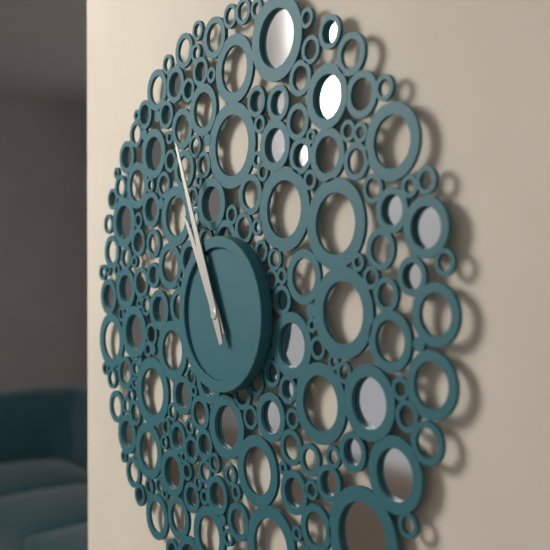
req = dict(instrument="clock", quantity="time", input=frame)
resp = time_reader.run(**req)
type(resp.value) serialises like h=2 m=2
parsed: h=10 m=56
